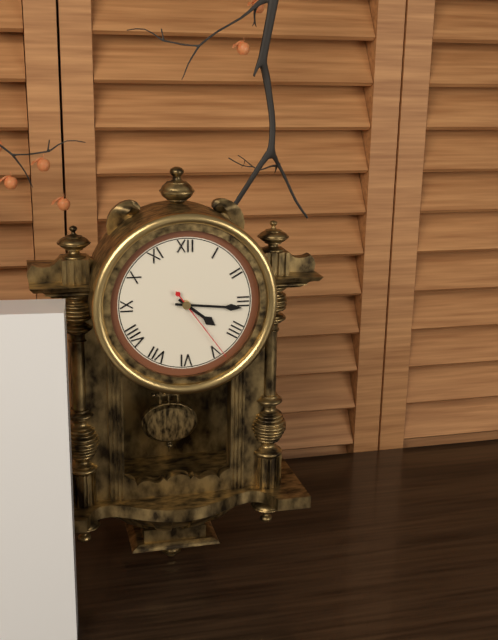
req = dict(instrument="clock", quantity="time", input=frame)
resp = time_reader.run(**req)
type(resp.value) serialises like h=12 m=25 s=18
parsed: h=4 m=16 s=24
